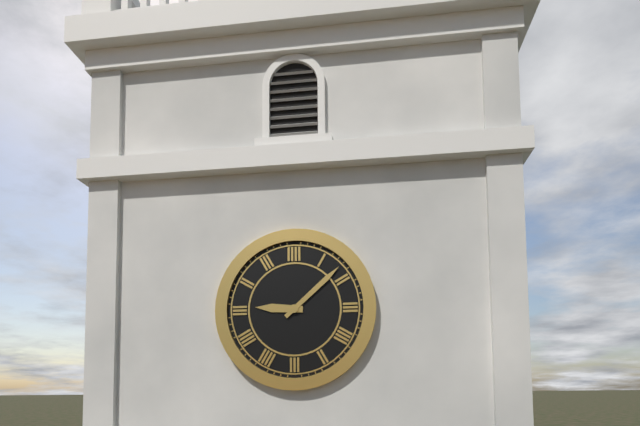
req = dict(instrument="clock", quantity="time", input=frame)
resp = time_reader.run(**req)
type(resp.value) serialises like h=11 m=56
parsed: h=9 m=8
